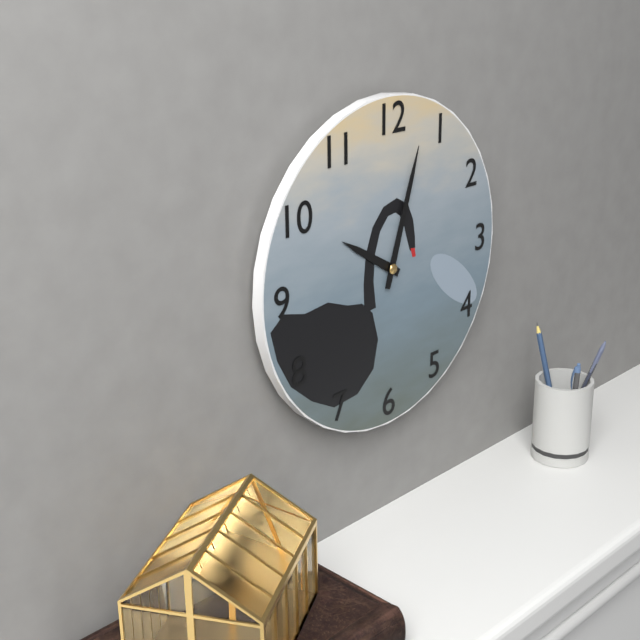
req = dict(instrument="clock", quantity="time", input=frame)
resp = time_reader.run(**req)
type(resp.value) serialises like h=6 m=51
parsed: h=10 m=3
